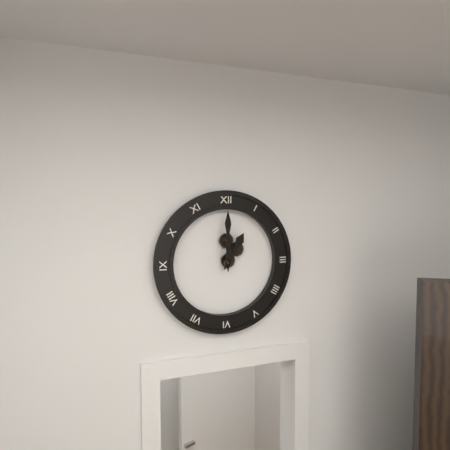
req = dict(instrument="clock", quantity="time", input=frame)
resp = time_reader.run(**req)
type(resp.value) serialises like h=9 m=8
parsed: h=1 m=0
